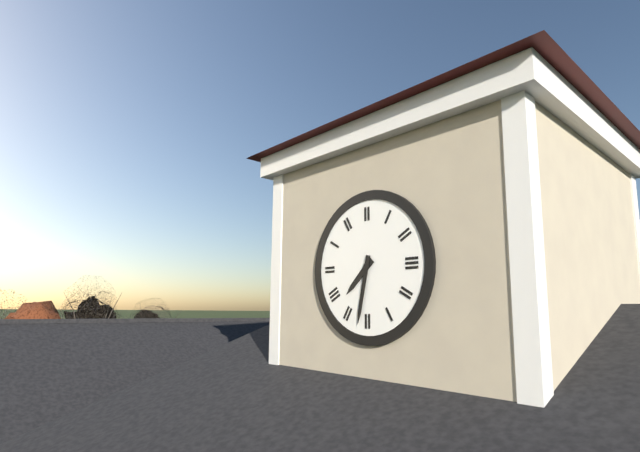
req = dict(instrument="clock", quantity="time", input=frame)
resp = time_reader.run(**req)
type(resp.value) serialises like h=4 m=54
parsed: h=7 m=32
